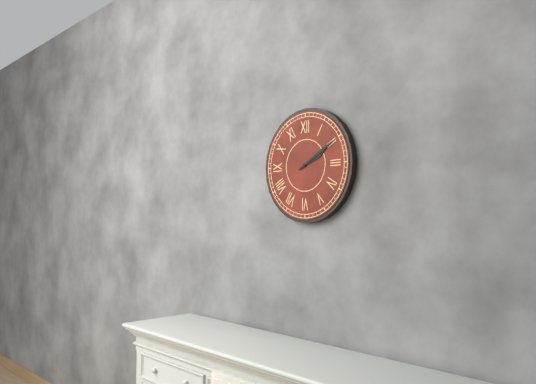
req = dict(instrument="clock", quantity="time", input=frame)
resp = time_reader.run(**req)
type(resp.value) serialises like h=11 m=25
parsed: h=2 m=10
